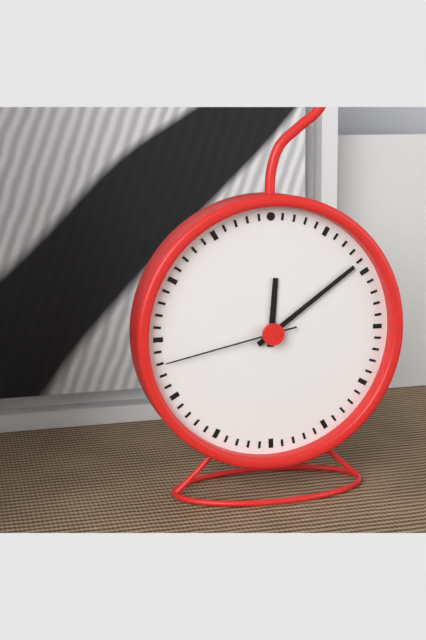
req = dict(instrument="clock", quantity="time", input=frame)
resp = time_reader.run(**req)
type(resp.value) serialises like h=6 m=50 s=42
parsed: h=12 m=9 s=43
